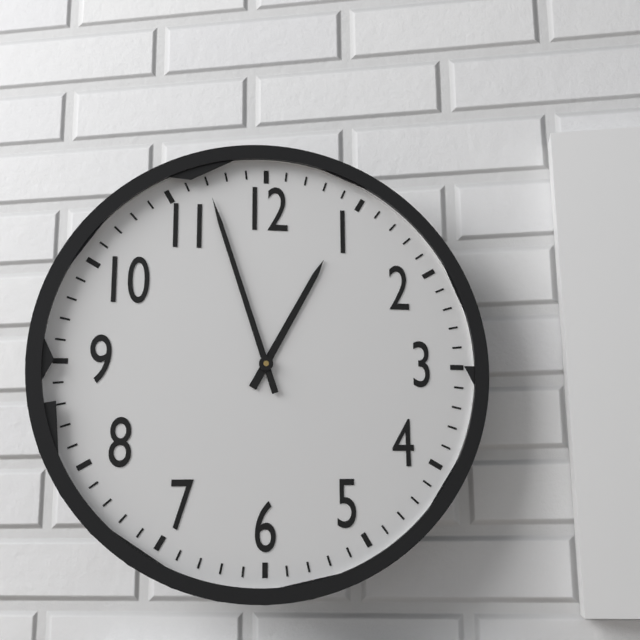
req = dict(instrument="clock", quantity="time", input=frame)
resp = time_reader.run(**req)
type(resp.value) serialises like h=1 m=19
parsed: h=12 m=57
